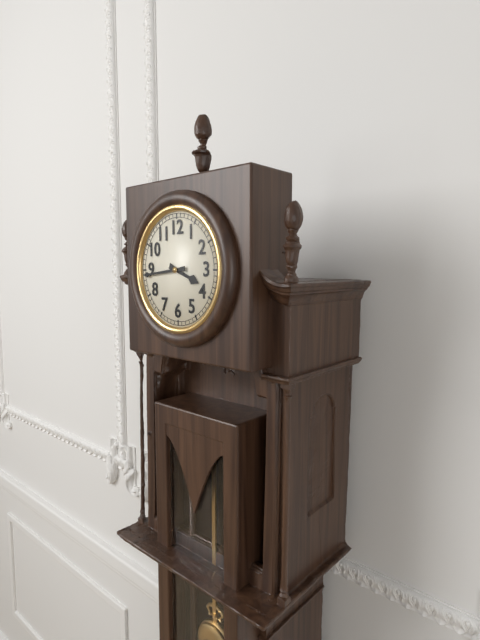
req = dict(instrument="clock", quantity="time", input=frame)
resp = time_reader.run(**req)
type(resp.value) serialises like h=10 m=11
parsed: h=3 m=44
